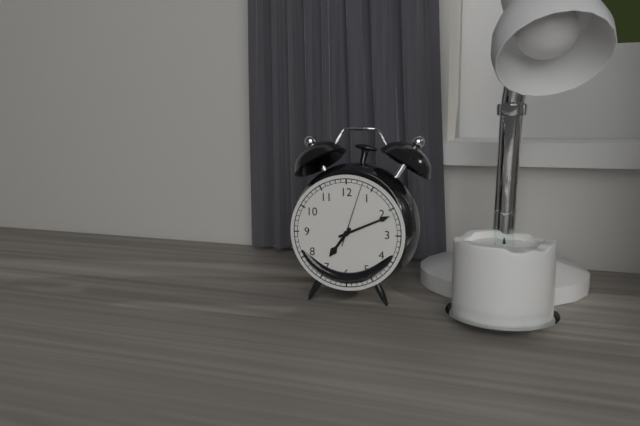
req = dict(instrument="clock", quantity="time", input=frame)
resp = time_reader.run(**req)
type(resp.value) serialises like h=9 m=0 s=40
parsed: h=7 m=11 s=3
